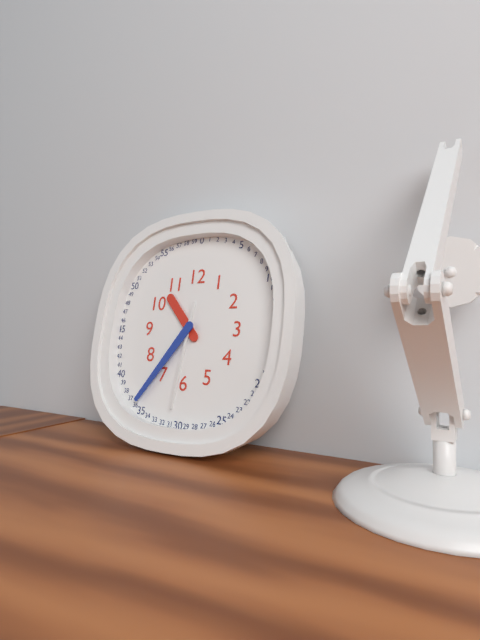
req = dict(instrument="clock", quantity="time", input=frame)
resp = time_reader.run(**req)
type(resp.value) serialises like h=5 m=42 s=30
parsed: h=10 m=36 s=31
